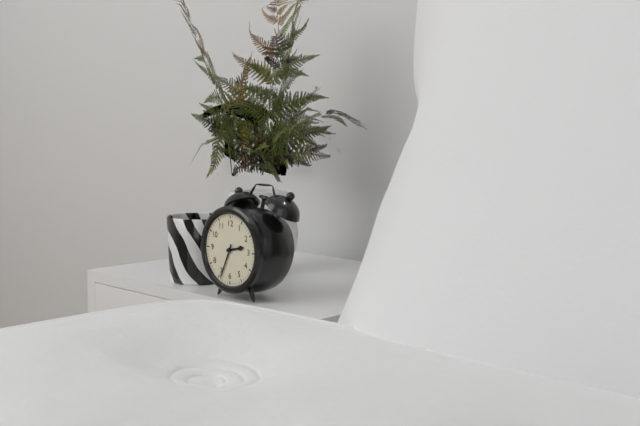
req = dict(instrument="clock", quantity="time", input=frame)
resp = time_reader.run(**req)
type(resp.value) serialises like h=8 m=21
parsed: h=2 m=34
